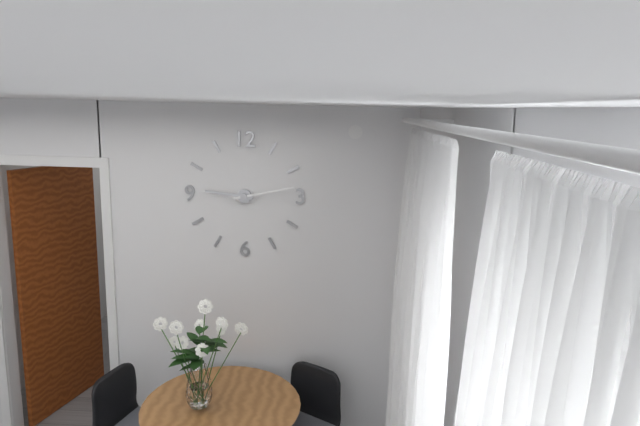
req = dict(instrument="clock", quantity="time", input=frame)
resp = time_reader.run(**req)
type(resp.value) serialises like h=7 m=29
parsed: h=9 m=13
